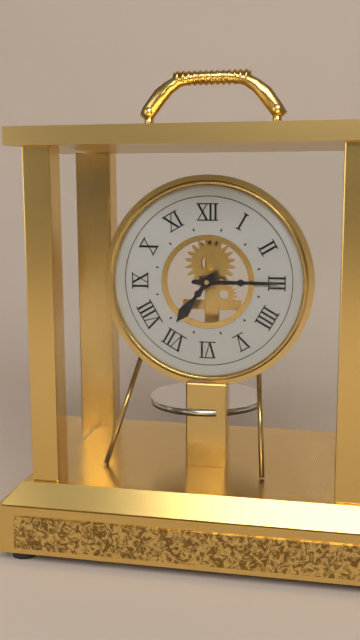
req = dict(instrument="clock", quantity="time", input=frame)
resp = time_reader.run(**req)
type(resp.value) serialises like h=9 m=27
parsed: h=7 m=15
